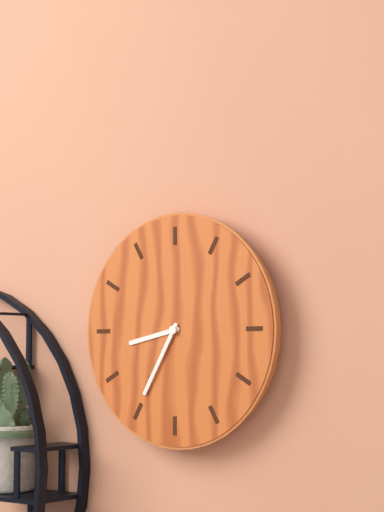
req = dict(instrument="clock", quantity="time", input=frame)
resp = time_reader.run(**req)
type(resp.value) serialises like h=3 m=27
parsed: h=8 m=35
